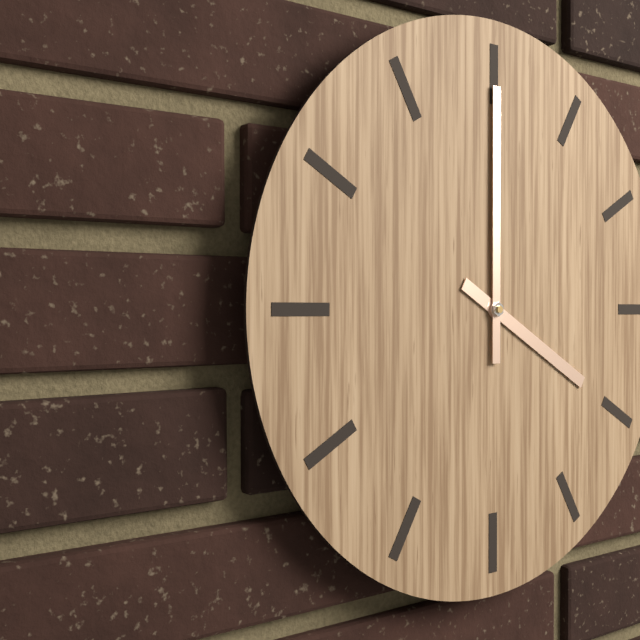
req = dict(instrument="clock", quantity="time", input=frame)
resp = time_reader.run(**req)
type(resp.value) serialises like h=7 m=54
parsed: h=4 m=0
